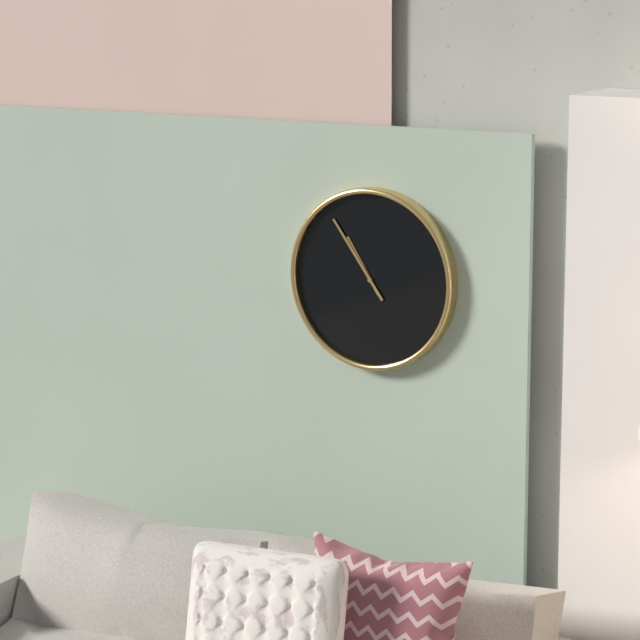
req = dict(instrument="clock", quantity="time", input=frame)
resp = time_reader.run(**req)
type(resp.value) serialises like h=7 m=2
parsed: h=10 m=54
